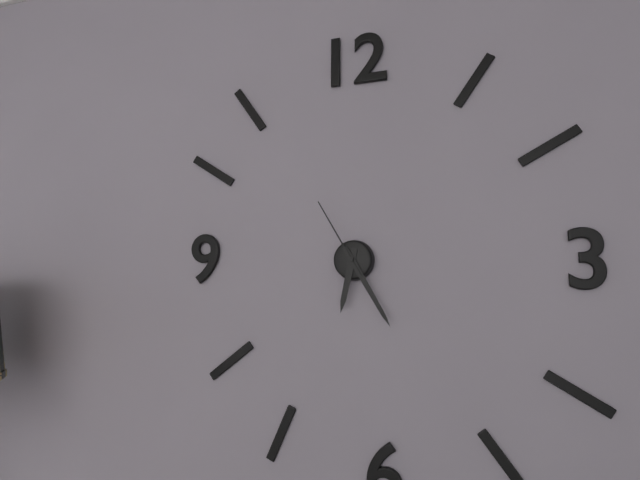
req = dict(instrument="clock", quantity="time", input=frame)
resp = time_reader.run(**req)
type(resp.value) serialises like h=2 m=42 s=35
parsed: h=6 m=25 s=55
